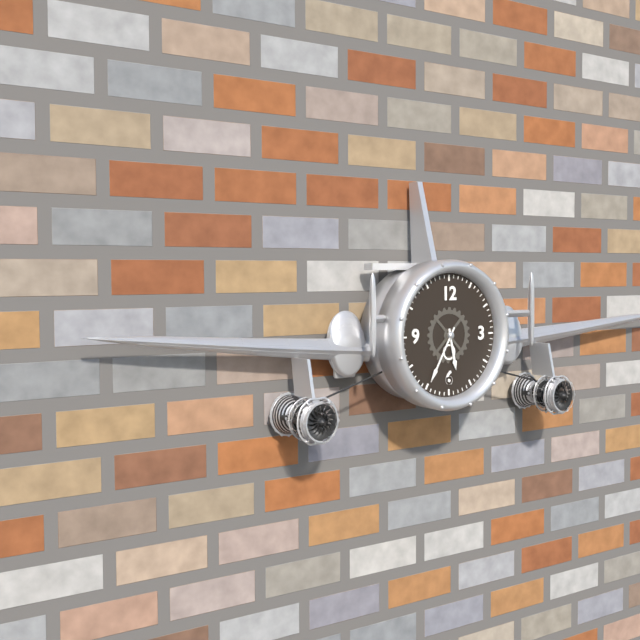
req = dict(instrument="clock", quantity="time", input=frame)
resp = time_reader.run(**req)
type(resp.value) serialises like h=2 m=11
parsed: h=5 m=35
